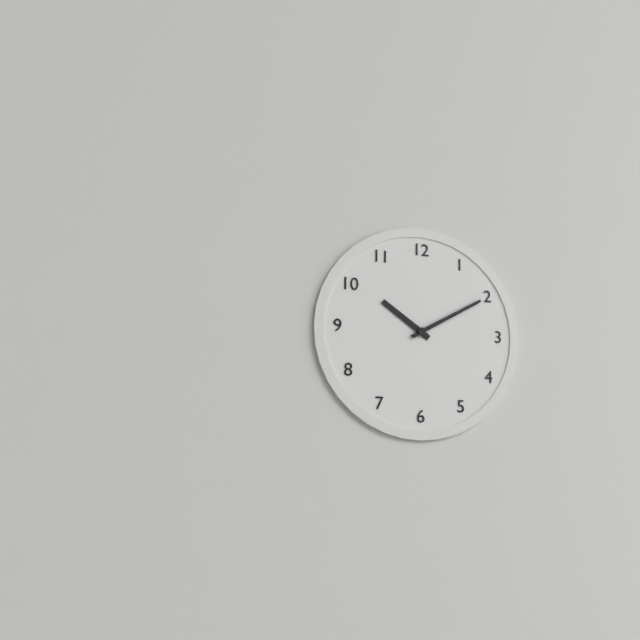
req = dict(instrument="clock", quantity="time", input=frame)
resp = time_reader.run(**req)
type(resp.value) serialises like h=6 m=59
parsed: h=10 m=10
